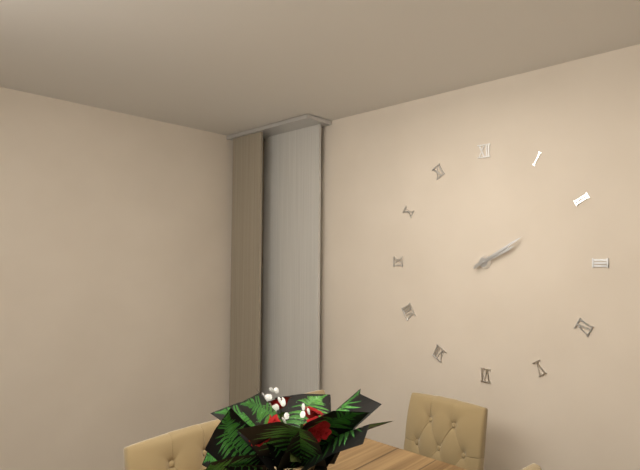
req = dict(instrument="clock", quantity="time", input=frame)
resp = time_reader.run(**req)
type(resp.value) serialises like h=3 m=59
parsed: h=2 m=10
